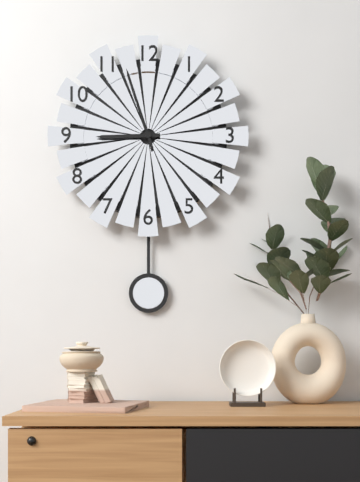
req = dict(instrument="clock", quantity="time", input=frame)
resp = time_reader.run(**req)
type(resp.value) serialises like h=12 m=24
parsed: h=8 m=57
